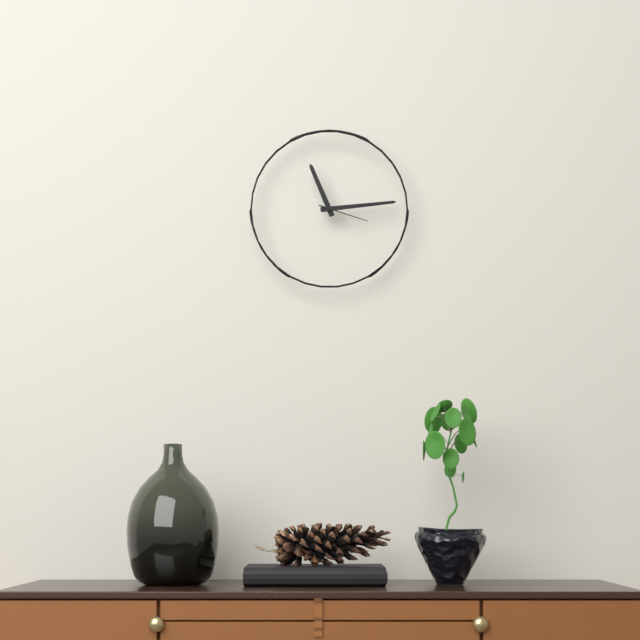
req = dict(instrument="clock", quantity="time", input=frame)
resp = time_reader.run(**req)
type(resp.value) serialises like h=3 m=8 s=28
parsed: h=11 m=14 s=18
